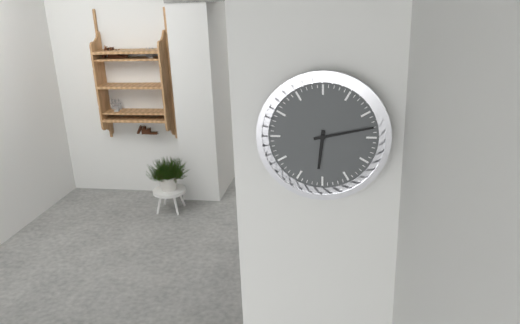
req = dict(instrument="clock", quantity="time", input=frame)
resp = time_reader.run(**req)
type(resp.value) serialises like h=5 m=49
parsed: h=6 m=13
